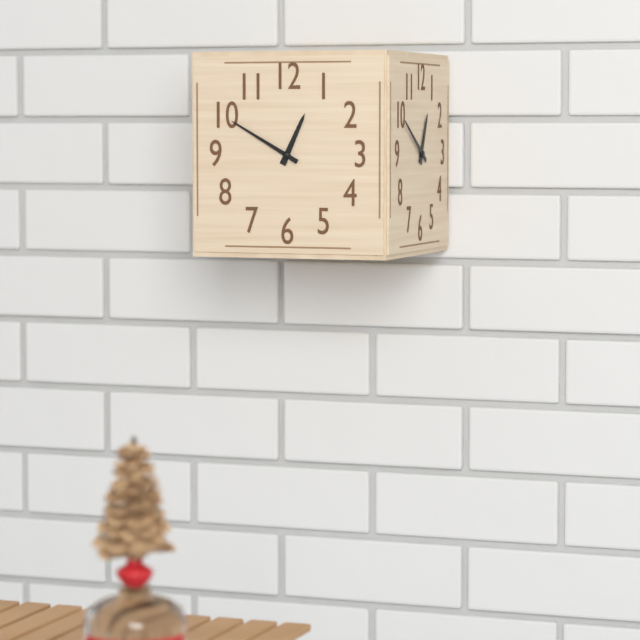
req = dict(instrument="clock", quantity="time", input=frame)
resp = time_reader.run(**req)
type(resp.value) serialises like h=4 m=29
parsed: h=12 m=50
